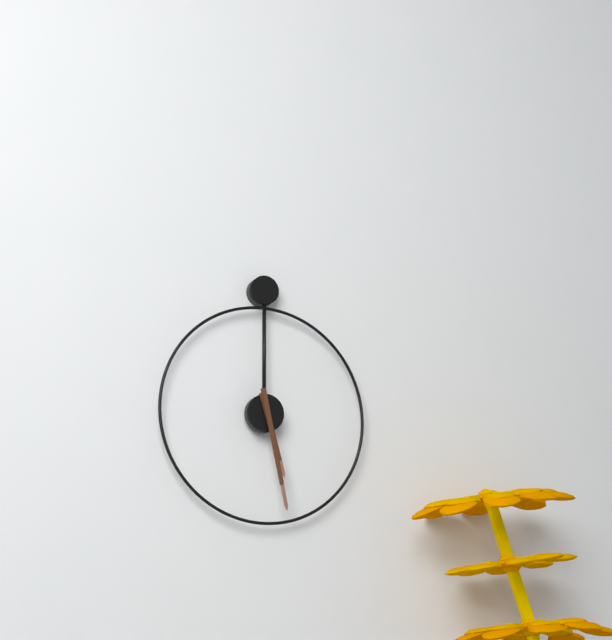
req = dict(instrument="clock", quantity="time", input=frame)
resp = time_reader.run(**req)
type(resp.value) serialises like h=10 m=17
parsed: h=5 m=28
